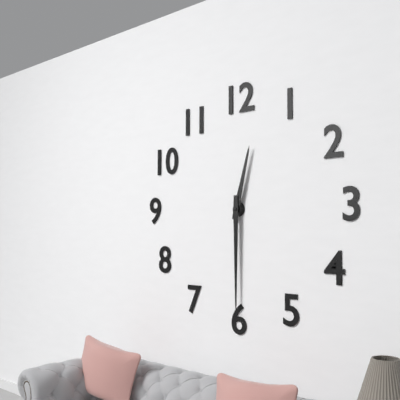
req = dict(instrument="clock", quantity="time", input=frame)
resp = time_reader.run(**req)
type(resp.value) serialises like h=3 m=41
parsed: h=12 m=30
